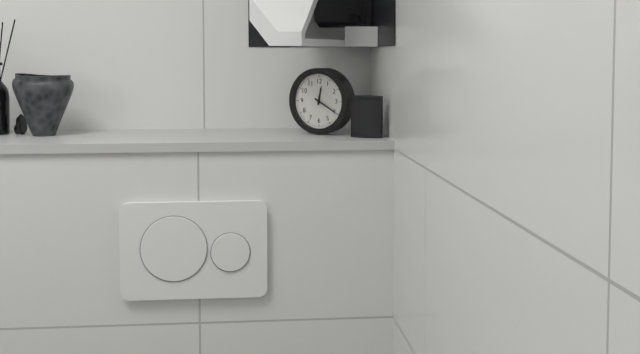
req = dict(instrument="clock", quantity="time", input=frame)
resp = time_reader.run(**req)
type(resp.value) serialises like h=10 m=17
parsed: h=12 m=20
